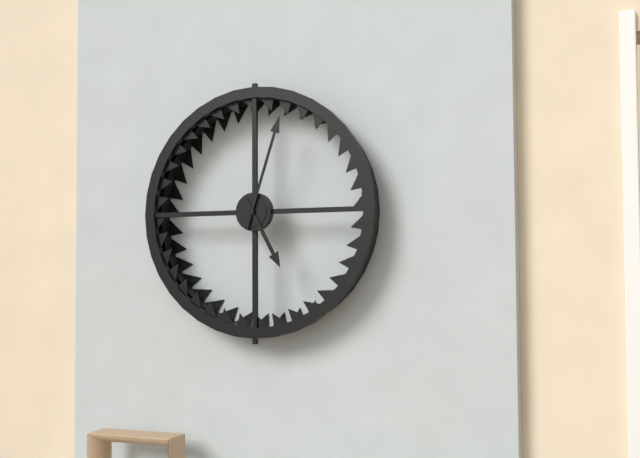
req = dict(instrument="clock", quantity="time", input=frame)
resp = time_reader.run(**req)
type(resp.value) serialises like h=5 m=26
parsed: h=5 m=3
